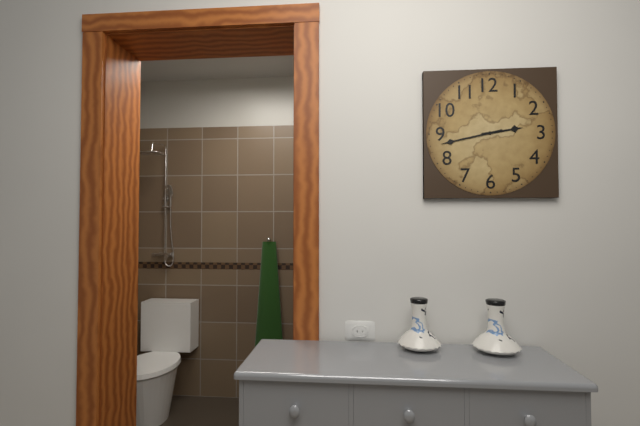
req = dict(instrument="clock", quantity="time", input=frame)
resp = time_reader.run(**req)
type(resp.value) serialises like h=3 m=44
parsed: h=2 m=43
